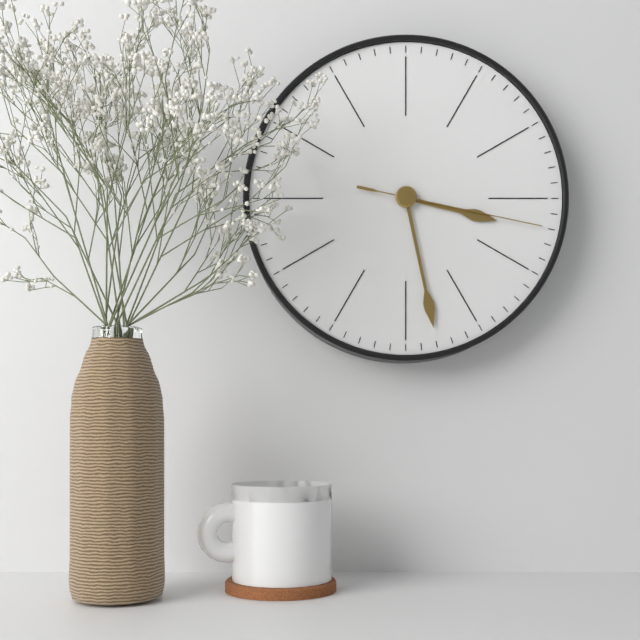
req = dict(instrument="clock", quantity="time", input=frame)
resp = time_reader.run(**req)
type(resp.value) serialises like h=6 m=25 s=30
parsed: h=3 m=28 s=17
